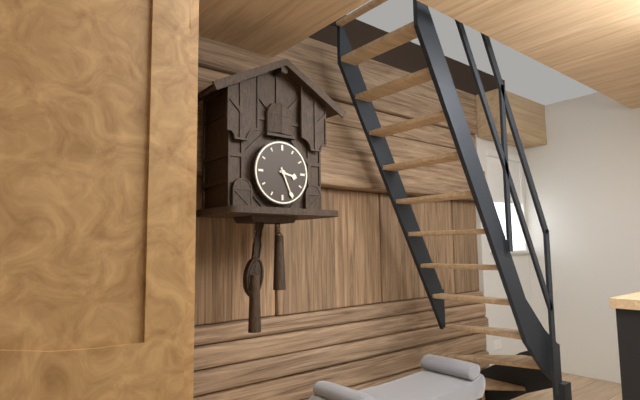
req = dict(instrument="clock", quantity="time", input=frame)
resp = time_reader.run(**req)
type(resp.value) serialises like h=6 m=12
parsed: h=3 m=26
